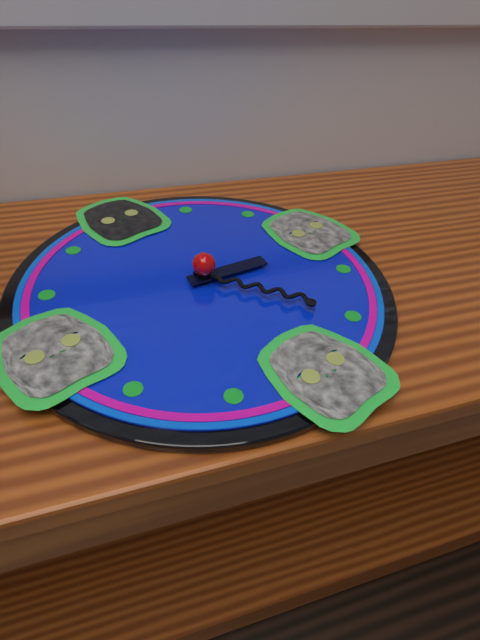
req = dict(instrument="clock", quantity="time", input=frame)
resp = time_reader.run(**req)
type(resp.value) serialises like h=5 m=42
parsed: h=3 m=25
